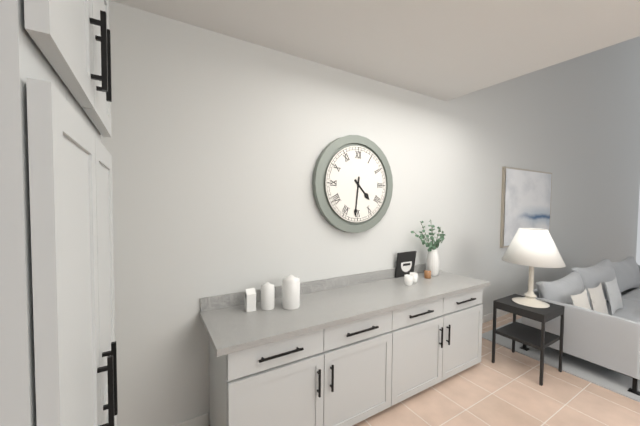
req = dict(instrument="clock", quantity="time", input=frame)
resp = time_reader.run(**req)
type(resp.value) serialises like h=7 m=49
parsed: h=4 m=31
